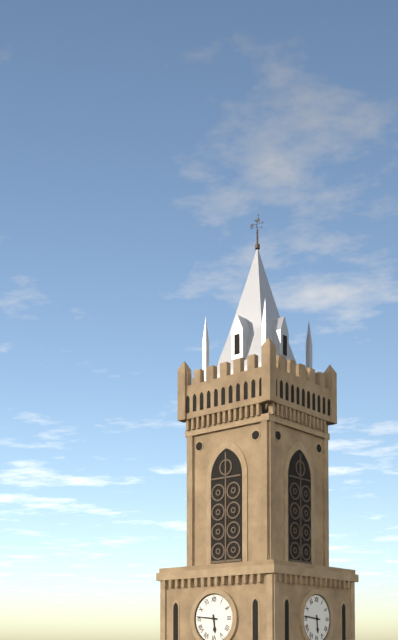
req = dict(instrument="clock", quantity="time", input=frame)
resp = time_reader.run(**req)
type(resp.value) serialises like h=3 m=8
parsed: h=5 m=46
